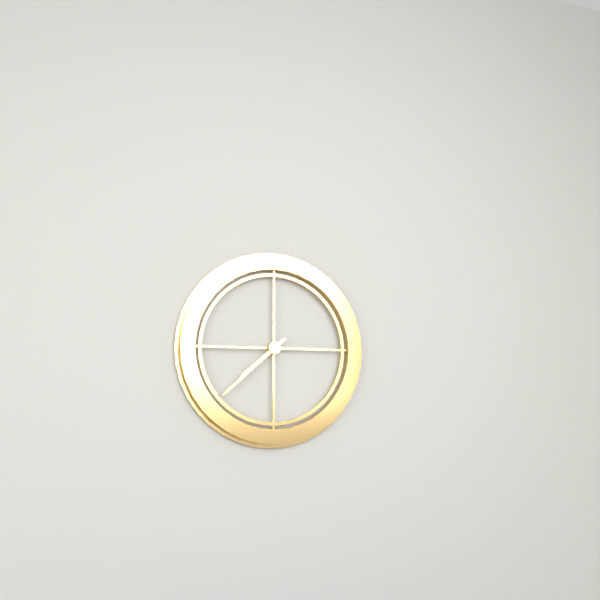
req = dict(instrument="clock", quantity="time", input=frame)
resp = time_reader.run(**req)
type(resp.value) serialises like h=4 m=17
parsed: h=7 m=38
